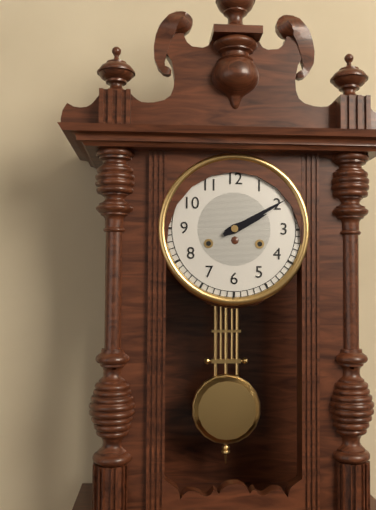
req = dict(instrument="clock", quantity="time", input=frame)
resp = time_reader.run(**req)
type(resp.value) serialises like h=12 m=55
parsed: h=2 m=10
